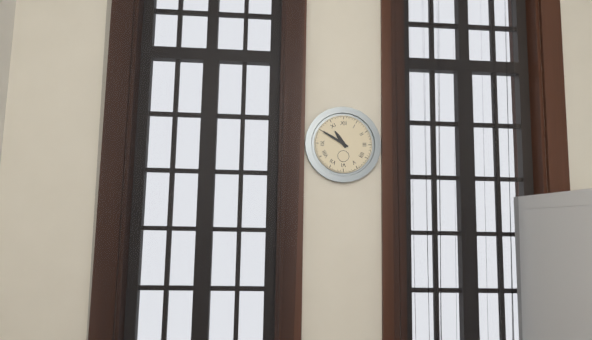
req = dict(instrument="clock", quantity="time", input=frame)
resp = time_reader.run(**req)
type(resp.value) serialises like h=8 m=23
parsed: h=10 m=50
